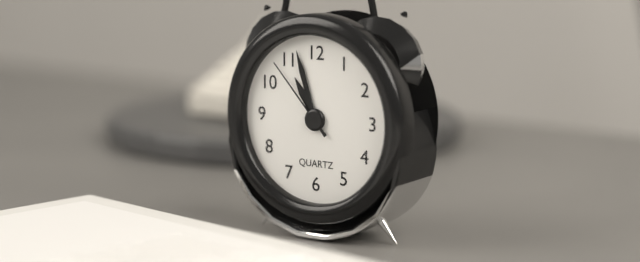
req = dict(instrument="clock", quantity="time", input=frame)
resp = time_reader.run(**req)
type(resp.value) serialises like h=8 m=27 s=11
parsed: h=10 m=57 s=53
